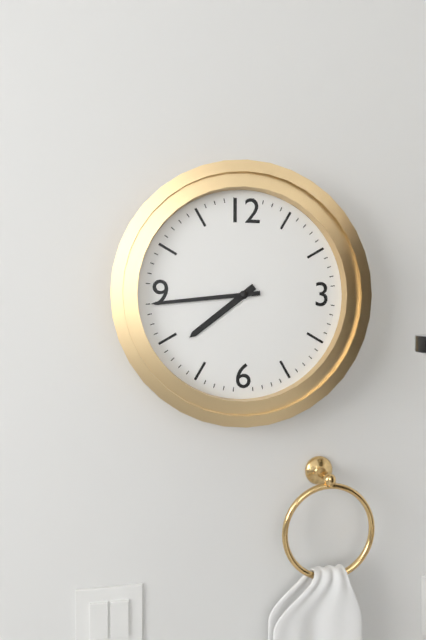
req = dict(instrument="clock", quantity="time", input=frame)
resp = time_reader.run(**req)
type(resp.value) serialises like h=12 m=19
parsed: h=7 m=44
